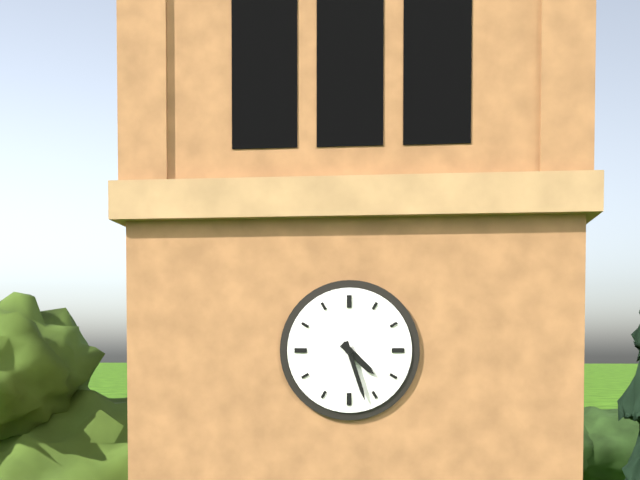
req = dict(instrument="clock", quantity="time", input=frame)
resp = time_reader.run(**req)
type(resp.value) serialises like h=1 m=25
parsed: h=4 m=27
